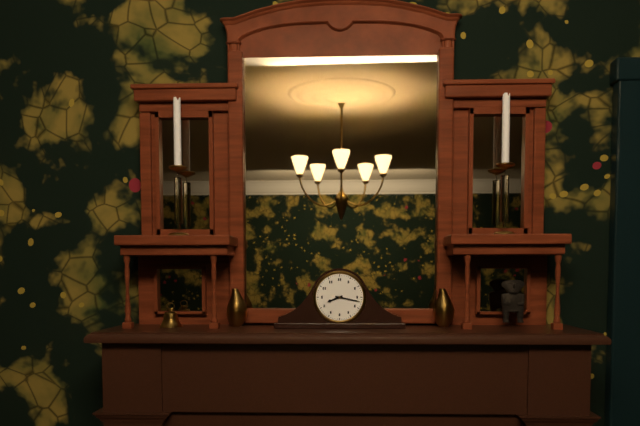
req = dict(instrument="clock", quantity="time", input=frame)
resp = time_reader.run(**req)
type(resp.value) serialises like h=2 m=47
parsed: h=8 m=17
